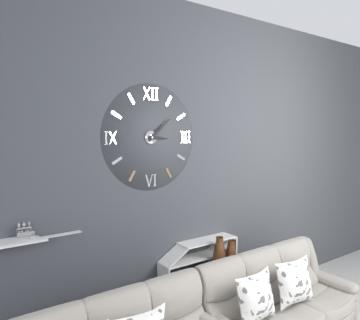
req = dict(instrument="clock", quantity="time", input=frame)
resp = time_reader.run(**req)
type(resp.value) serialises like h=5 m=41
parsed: h=3 m=8
